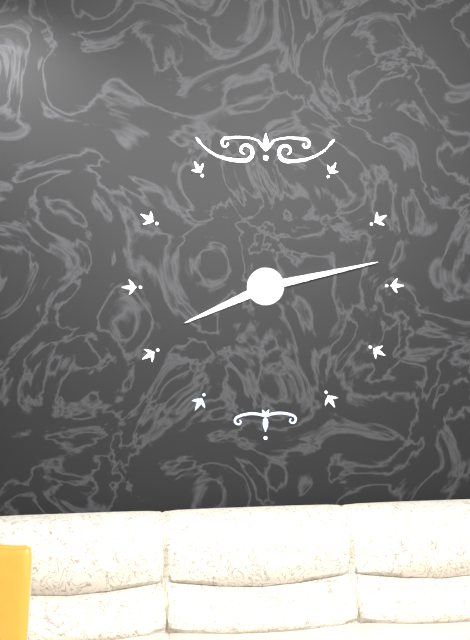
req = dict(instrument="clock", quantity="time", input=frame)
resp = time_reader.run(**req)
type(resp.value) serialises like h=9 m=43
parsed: h=8 m=13
